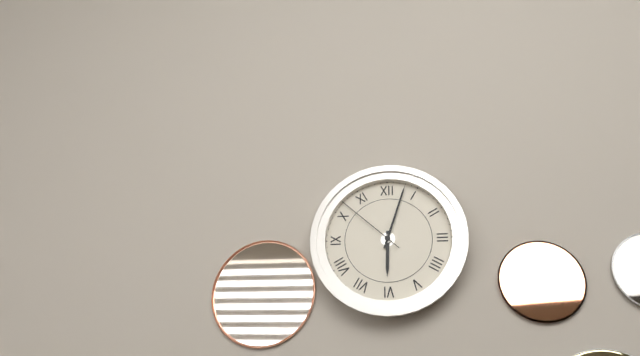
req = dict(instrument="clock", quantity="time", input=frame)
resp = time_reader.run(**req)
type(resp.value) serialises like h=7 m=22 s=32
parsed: h=6 m=3 s=52
